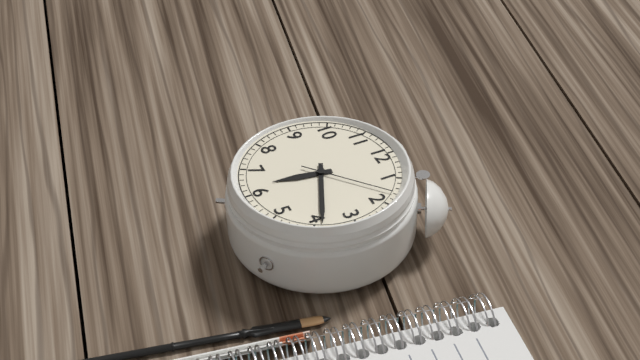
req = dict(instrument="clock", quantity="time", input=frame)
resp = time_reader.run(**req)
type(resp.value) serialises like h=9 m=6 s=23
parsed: h=6 m=19 s=8
